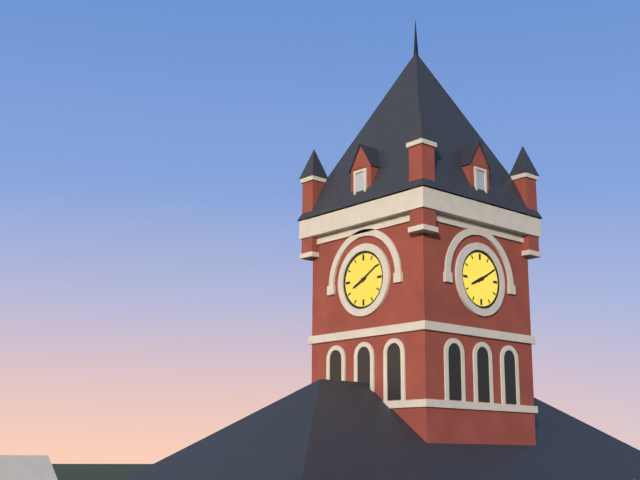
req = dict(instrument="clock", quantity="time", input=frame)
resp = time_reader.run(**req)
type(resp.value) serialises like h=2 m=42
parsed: h=8 m=10
